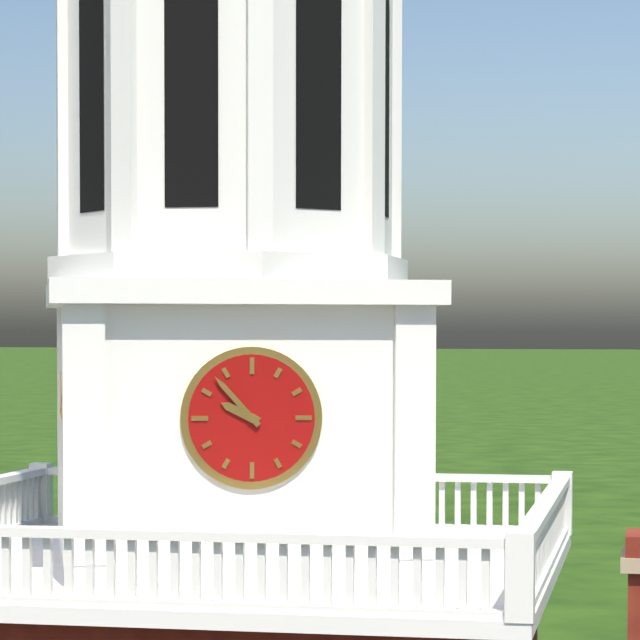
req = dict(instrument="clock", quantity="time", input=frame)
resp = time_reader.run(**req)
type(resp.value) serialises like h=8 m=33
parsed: h=9 m=53
